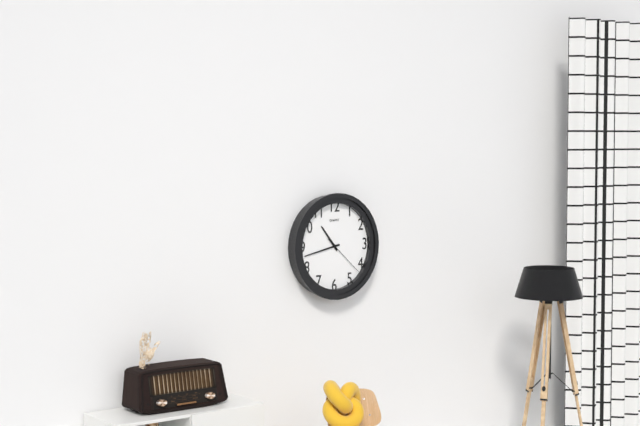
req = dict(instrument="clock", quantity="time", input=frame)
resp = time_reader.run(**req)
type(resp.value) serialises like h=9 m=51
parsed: h=10 m=43
